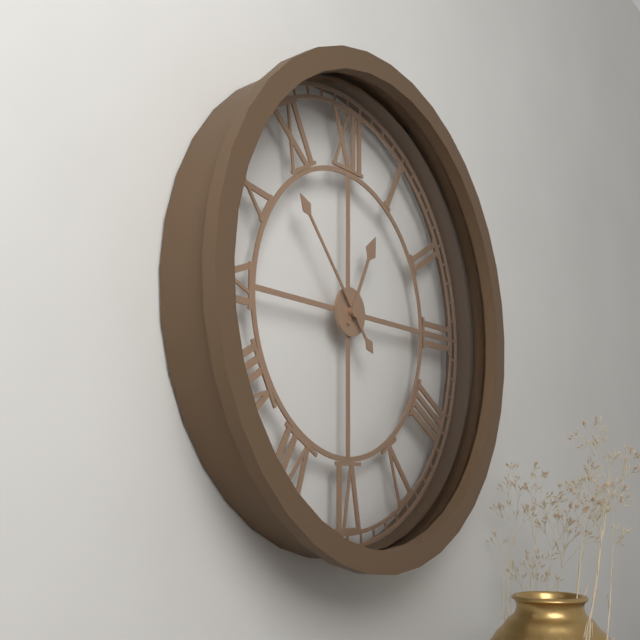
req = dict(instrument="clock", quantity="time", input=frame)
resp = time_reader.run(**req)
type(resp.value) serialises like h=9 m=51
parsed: h=12 m=53
